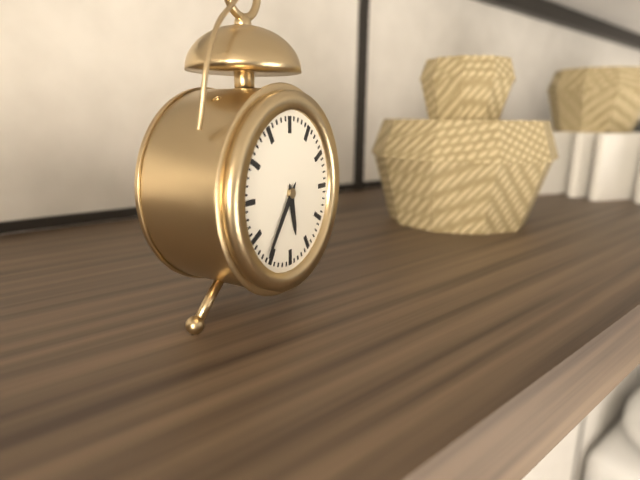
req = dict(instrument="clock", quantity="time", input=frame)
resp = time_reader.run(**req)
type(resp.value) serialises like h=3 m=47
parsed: h=5 m=36
